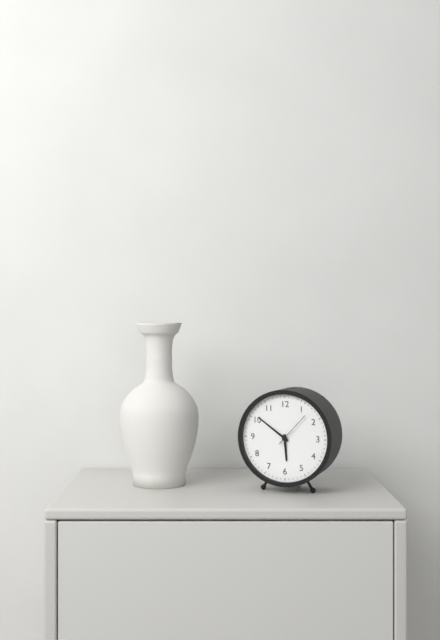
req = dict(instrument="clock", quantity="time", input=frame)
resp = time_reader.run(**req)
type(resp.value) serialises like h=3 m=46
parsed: h=5 m=51
